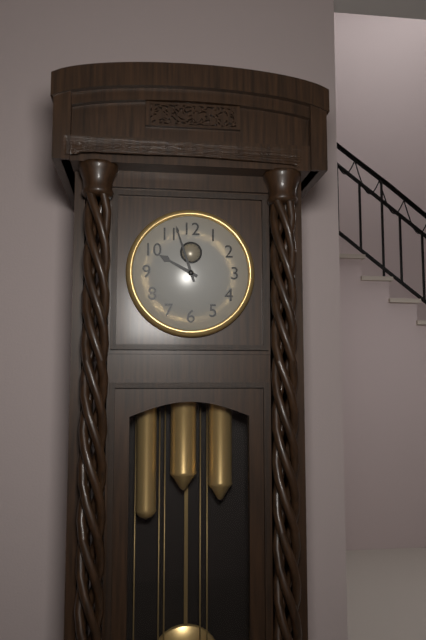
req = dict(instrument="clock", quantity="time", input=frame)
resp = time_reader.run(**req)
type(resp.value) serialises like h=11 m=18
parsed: h=9 m=57
